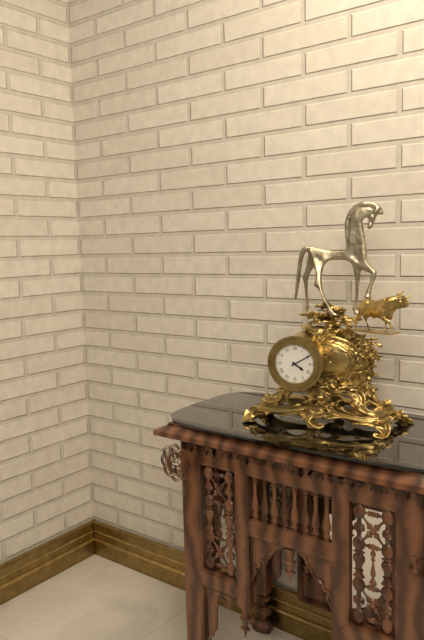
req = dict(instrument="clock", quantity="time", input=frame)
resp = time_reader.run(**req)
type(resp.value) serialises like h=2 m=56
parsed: h=4 m=10
